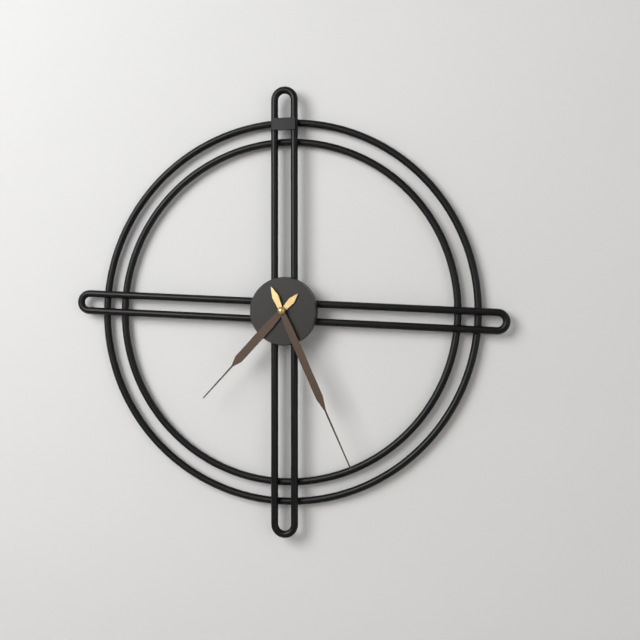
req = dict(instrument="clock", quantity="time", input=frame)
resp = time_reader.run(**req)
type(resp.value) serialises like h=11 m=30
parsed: h=7 m=26
